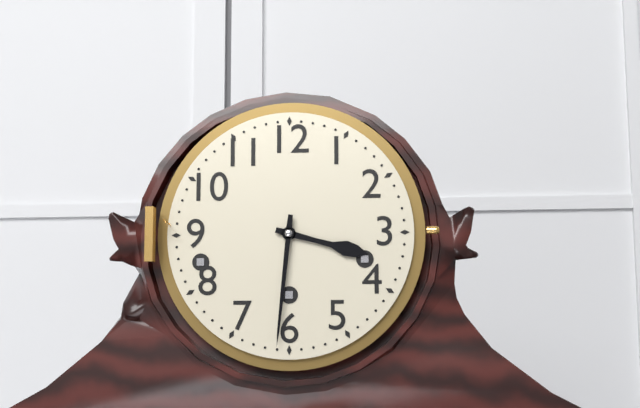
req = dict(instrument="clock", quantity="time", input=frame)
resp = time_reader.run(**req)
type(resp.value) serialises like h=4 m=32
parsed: h=3 m=31
